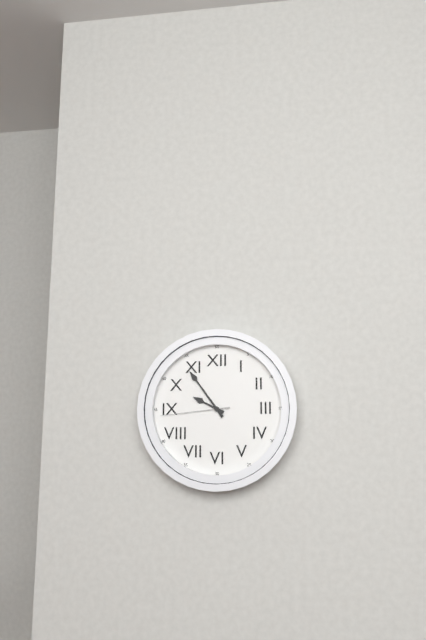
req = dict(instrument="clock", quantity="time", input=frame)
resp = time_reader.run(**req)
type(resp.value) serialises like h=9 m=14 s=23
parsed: h=9 m=54 s=44
